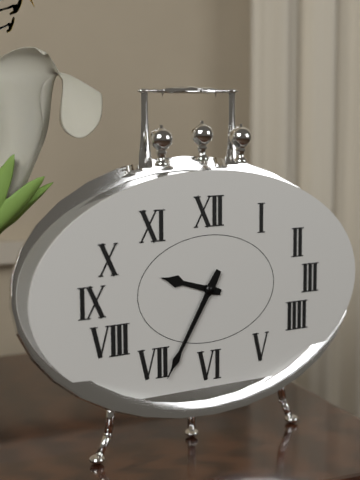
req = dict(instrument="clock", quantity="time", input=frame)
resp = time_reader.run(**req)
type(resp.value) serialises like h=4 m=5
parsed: h=9 m=35
